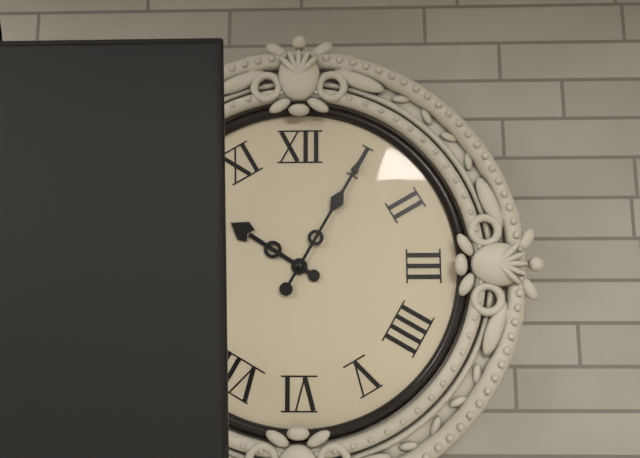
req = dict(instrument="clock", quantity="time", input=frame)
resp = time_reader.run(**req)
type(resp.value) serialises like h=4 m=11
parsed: h=10 m=5
